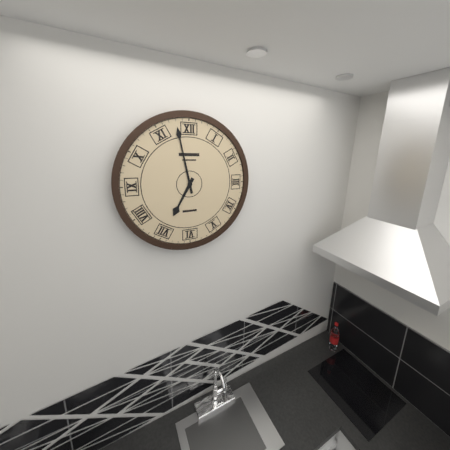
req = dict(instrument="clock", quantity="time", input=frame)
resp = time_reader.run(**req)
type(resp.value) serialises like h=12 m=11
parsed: h=6 m=58
